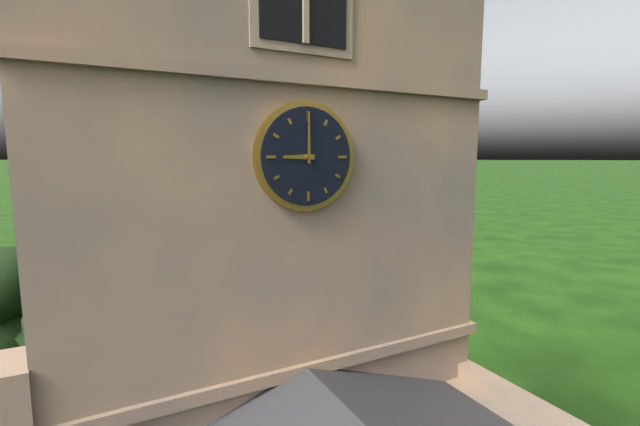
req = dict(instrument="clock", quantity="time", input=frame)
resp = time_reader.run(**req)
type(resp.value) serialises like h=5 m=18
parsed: h=9 m=0
